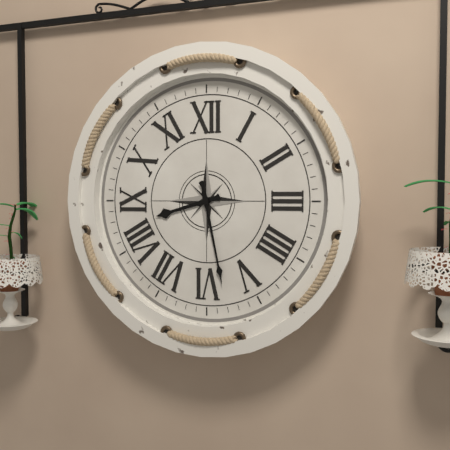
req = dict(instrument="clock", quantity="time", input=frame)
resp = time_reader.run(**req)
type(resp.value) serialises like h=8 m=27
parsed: h=8 m=28
